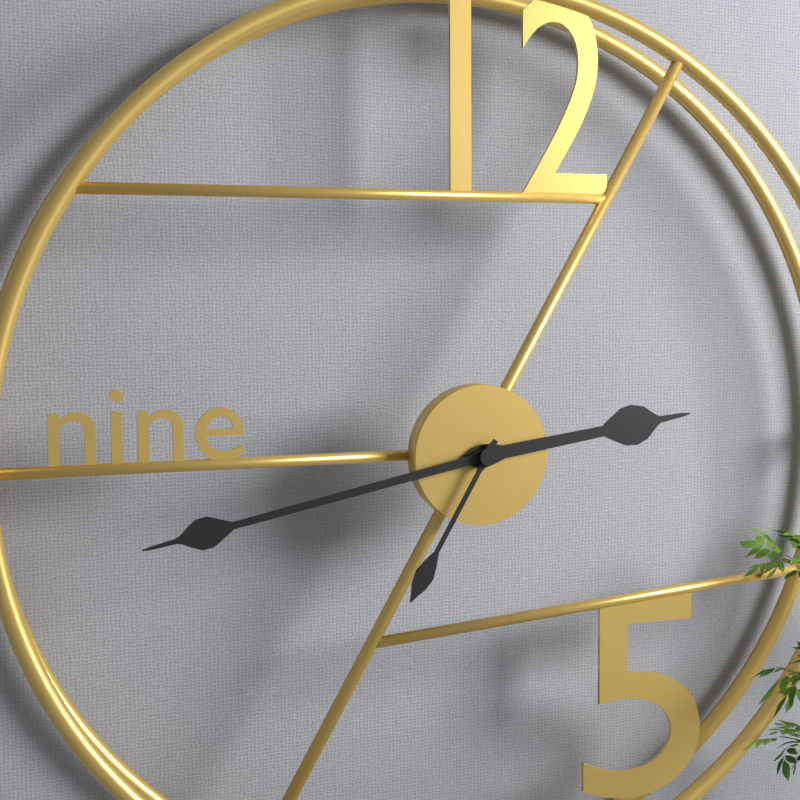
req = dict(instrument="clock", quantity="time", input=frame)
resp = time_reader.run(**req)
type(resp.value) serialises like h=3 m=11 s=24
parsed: h=2 m=43 s=35
